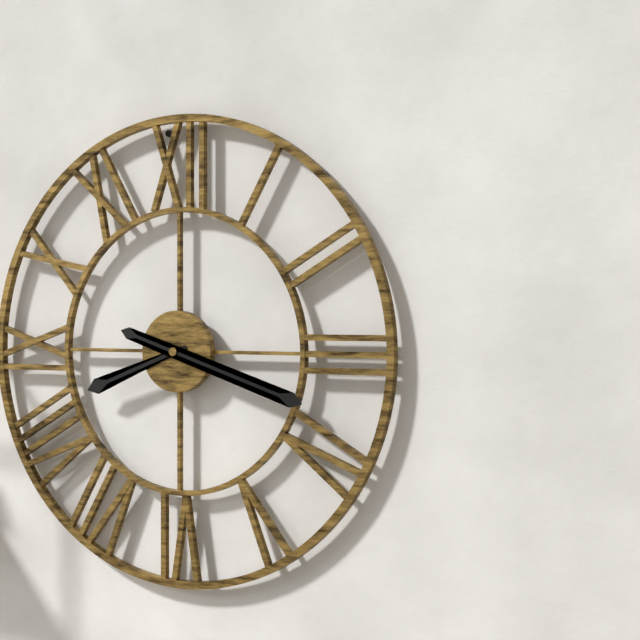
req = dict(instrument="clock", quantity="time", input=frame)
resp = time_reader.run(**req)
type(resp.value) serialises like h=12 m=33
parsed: h=8 m=18
